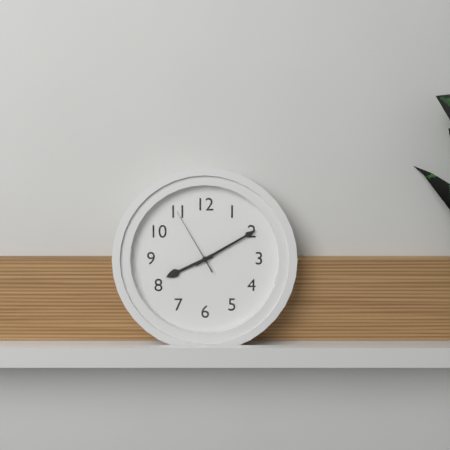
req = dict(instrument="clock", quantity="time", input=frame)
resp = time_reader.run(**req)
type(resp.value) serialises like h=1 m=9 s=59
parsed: h=8 m=10 s=55
